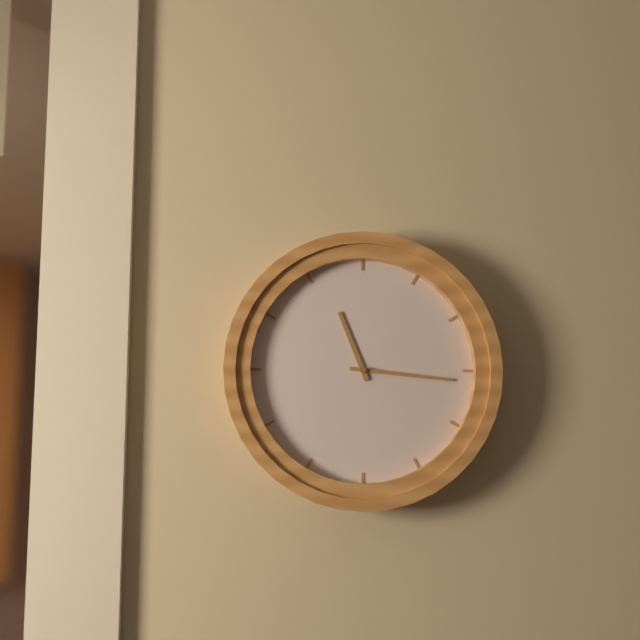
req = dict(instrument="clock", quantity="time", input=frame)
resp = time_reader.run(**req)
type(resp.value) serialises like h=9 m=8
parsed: h=11 m=16
